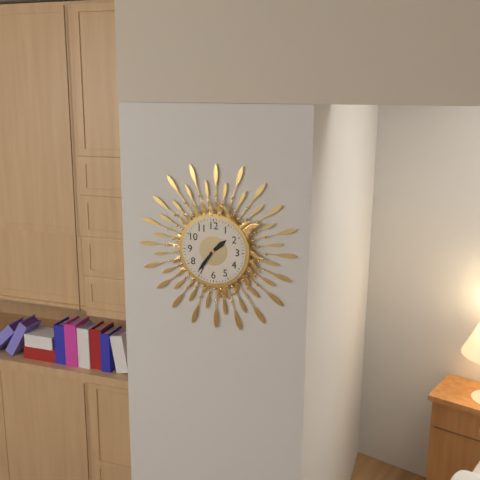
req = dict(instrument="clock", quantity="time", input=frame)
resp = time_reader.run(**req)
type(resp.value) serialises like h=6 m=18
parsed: h=1 m=36
